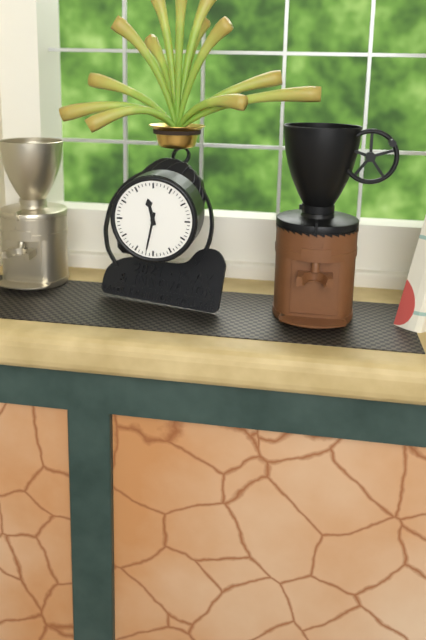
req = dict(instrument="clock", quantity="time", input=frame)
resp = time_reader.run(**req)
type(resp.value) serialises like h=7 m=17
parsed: h=11 m=32
